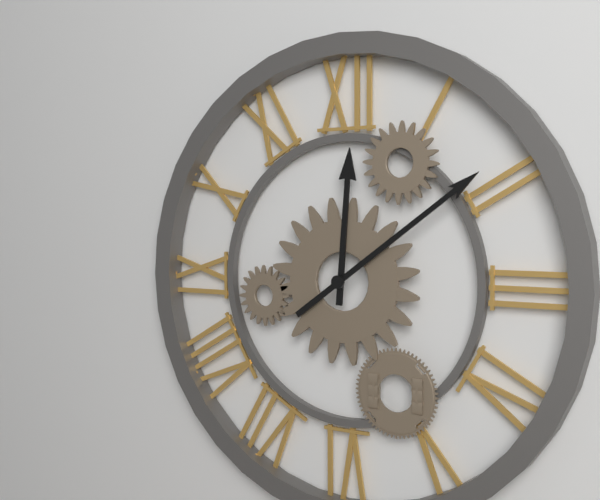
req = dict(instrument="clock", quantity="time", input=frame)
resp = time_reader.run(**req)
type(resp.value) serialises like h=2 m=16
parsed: h=12 m=9
